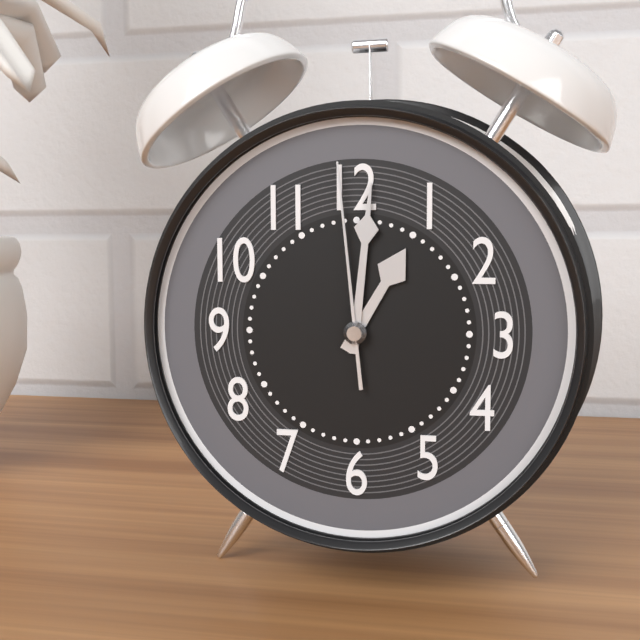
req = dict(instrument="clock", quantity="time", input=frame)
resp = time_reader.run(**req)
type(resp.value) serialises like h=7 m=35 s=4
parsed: h=1 m=1 s=59
